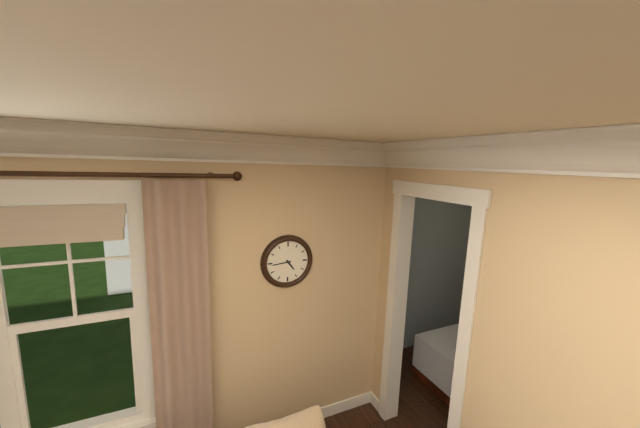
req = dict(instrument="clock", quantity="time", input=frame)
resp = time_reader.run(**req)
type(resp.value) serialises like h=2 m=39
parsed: h=4 m=44
